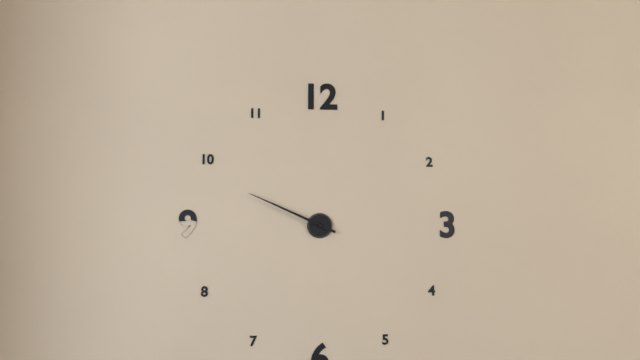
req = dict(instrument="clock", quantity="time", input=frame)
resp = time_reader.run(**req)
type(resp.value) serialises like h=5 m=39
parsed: h=9 m=49
